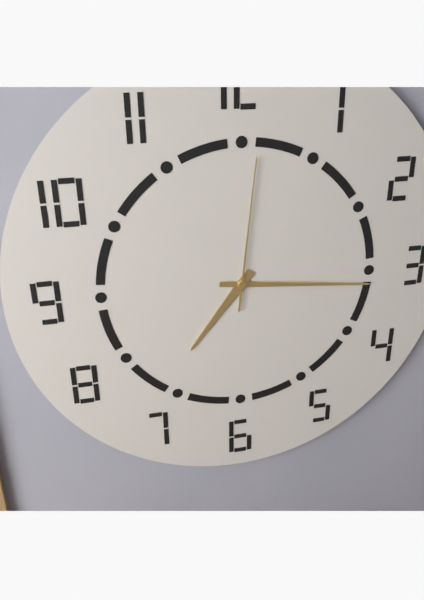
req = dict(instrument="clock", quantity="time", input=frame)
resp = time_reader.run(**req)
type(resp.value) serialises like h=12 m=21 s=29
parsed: h=7 m=16 s=1
